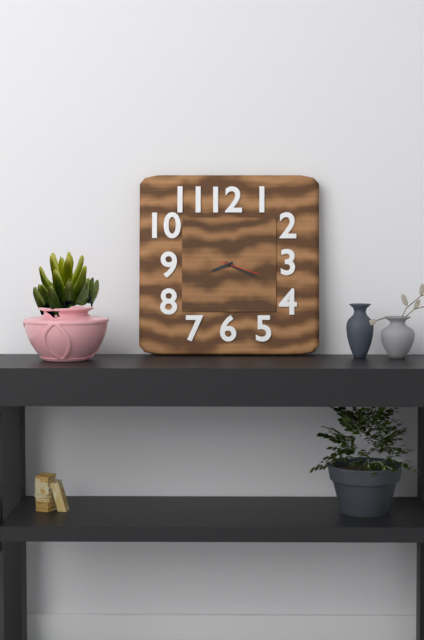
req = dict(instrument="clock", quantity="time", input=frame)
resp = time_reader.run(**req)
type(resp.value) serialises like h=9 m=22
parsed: h=8 m=19
